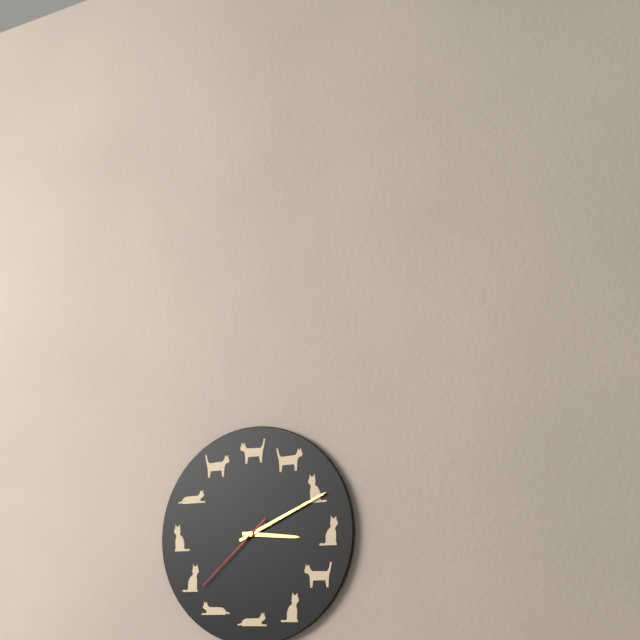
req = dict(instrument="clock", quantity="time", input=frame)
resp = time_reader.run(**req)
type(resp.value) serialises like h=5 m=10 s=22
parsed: h=3 m=11 s=38
